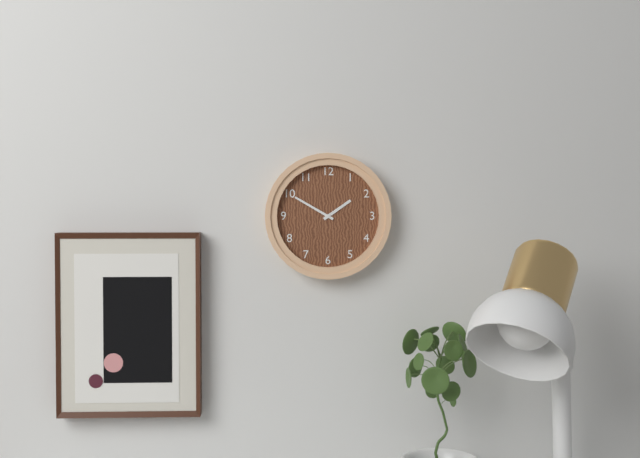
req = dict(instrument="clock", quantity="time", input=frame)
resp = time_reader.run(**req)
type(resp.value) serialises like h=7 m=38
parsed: h=1 m=50
